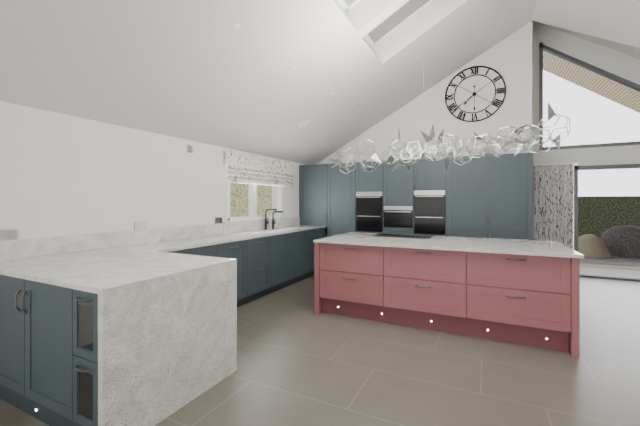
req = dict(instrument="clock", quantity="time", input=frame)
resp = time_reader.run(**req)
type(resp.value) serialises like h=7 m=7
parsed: h=7 m=30
